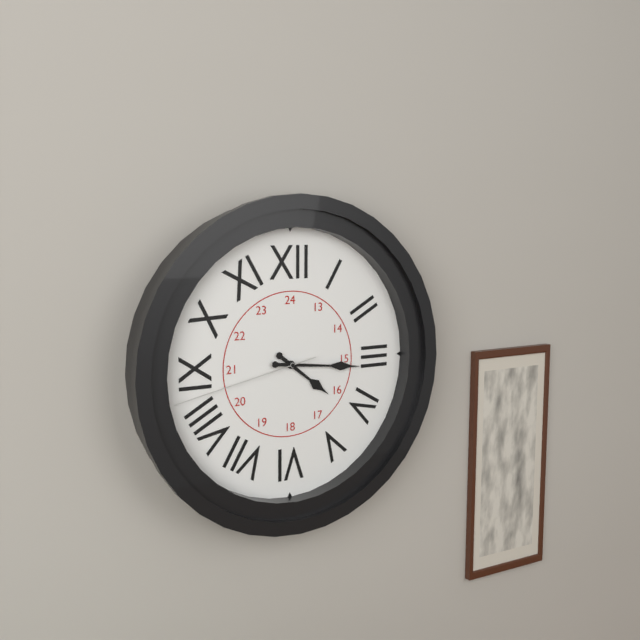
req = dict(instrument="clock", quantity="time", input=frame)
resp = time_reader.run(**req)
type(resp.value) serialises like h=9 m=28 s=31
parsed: h=4 m=16 s=43
